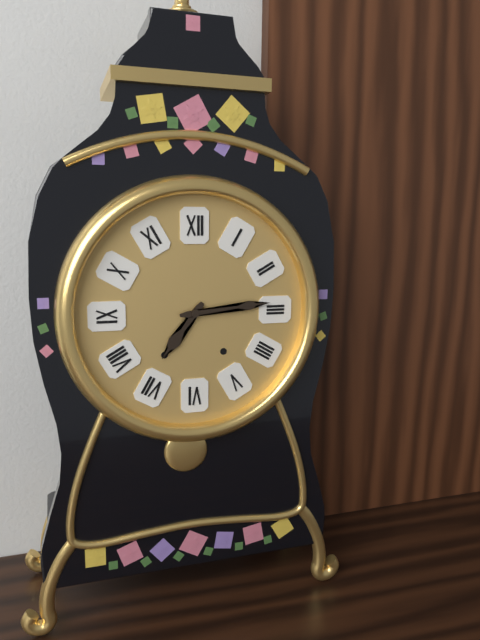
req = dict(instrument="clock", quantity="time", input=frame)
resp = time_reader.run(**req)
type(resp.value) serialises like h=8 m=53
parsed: h=7 m=14
